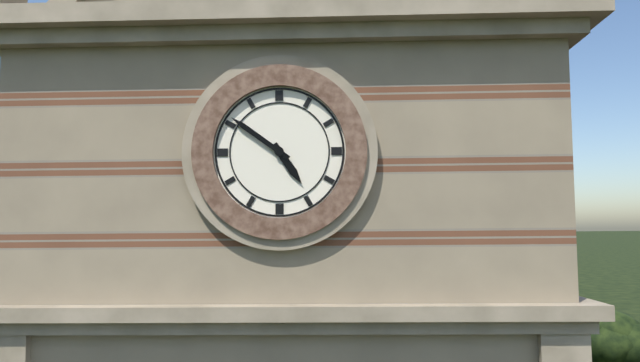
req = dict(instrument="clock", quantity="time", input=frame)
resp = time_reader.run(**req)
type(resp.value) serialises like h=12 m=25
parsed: h=4 m=51
